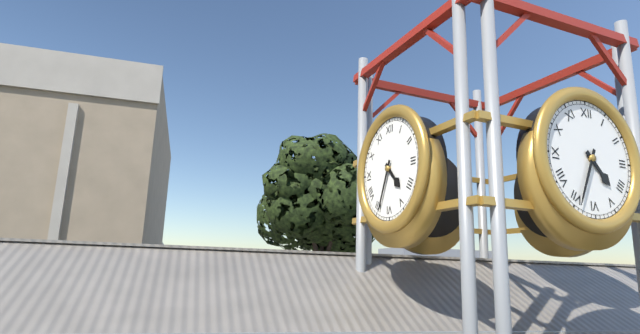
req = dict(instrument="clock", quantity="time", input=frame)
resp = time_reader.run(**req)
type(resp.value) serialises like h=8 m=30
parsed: h=4 m=34
